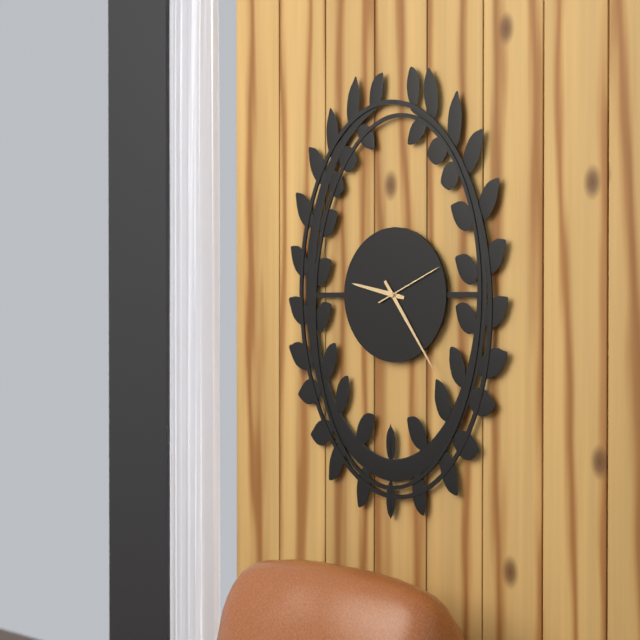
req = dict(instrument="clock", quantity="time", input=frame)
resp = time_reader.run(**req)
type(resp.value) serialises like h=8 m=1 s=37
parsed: h=9 m=24 s=11
